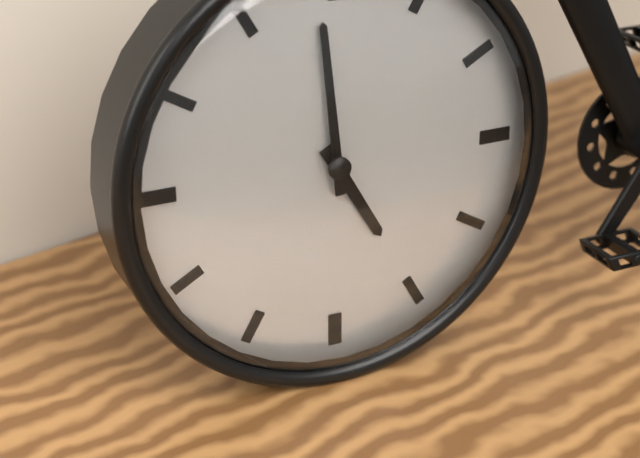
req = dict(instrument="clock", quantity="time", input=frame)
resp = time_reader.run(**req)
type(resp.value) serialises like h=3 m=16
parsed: h=4 m=59
